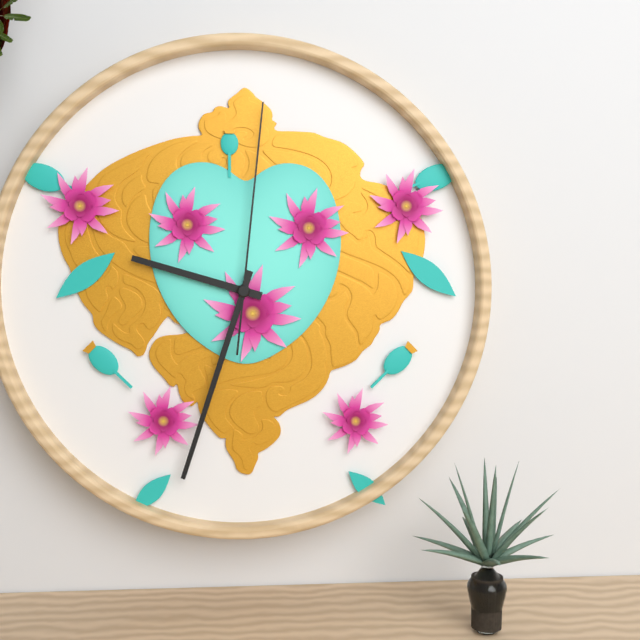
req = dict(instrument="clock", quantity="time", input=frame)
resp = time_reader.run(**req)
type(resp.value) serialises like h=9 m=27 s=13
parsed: h=9 m=33 s=1
